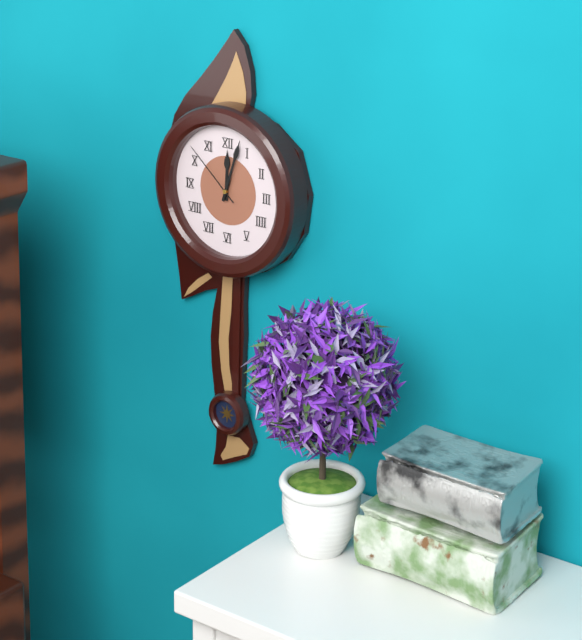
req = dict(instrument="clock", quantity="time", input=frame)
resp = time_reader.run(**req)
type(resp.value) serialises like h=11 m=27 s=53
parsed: h=12 m=3 s=52
